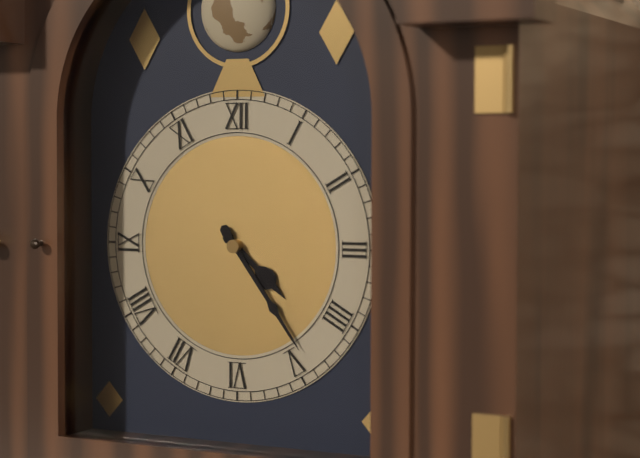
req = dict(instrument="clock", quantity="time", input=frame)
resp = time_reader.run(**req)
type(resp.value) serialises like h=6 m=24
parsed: h=4 m=24
